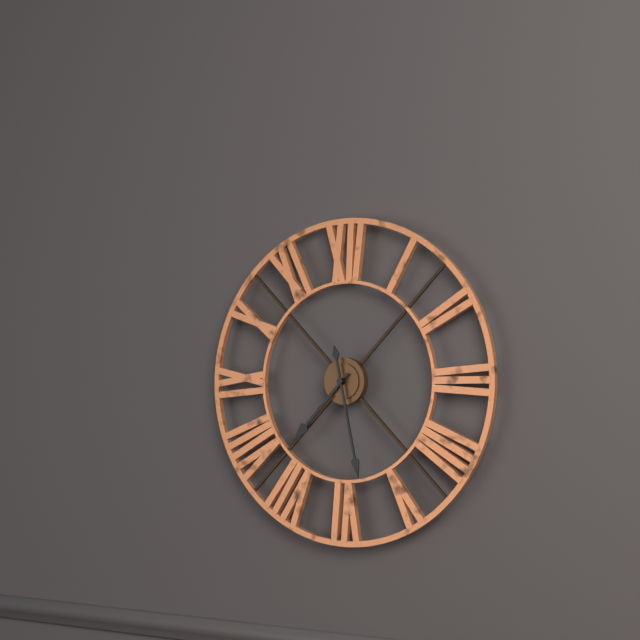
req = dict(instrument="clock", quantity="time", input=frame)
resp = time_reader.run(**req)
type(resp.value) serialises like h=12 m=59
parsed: h=7 m=28
